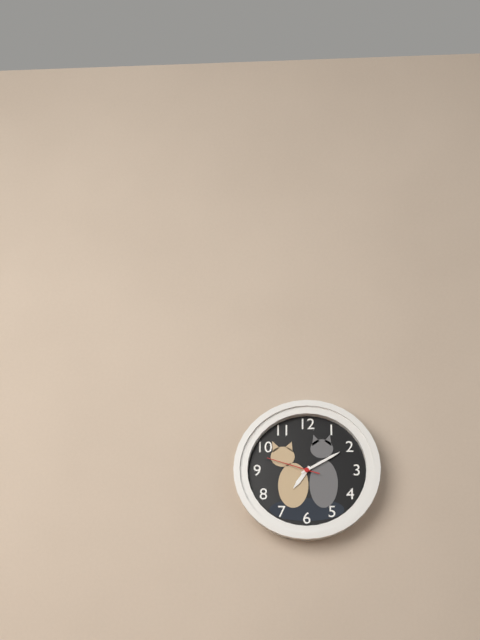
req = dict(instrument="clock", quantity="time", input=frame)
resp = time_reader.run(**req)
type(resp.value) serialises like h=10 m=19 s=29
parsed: h=7 m=10 s=48
